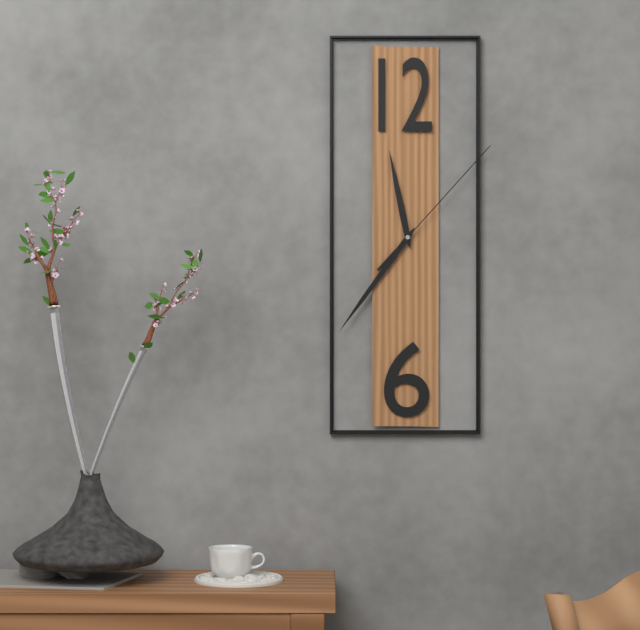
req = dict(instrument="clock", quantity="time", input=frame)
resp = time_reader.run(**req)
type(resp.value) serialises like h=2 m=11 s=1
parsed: h=11 m=36 s=7
